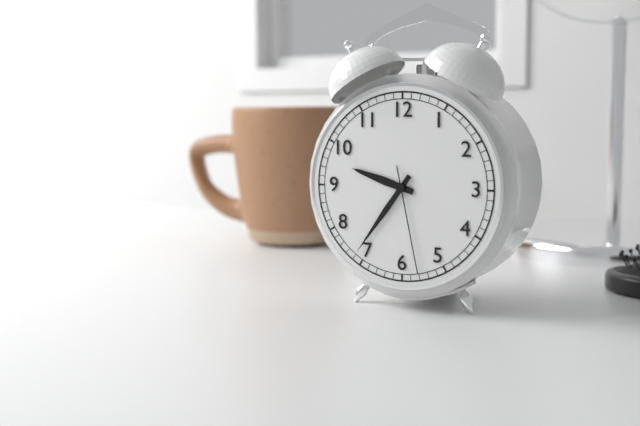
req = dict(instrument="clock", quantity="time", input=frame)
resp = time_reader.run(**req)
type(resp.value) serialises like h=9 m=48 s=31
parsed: h=9 m=36 s=28
